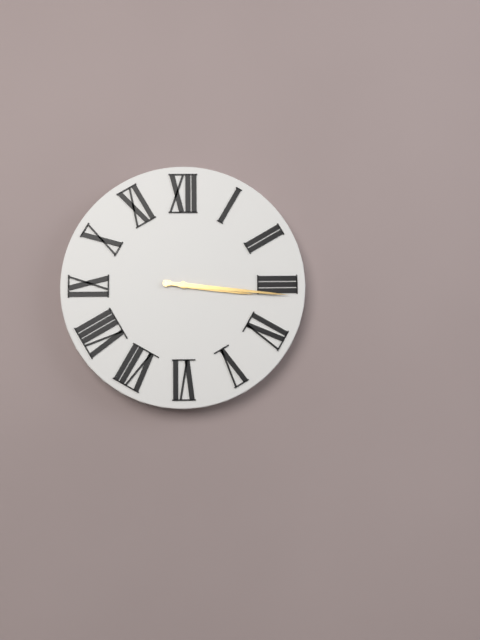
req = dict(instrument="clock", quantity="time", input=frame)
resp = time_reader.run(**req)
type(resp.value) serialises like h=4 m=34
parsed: h=3 m=16
